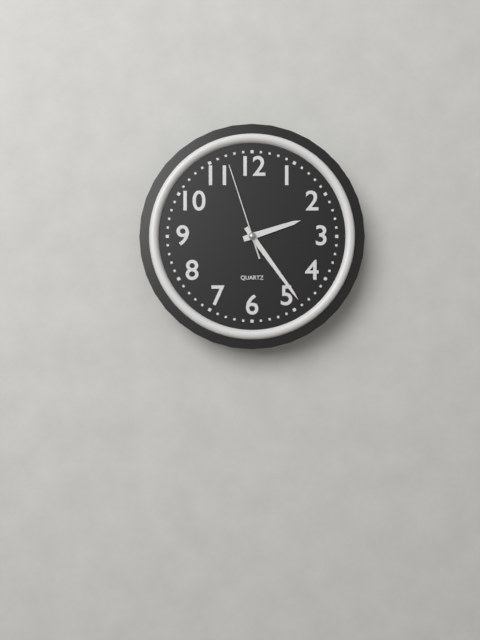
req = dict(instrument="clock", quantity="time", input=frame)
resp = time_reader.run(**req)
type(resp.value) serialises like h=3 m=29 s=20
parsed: h=2 m=24 s=57
